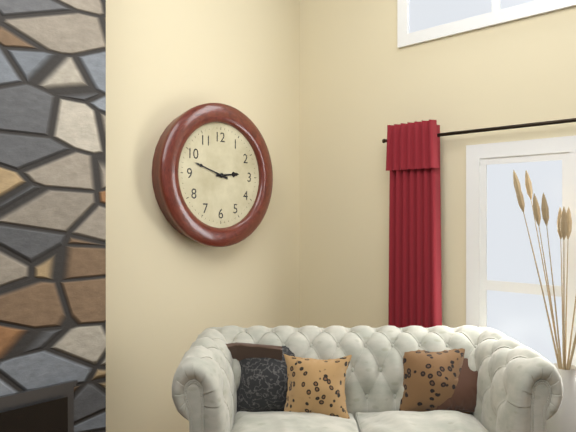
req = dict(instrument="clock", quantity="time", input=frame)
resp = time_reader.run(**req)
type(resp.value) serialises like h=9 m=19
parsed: h=2 m=48
